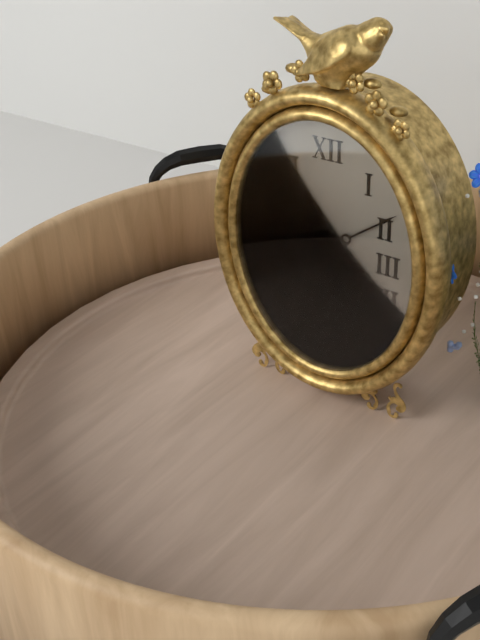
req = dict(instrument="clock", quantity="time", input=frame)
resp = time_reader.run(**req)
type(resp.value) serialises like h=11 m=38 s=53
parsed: h=11 m=9 s=23
